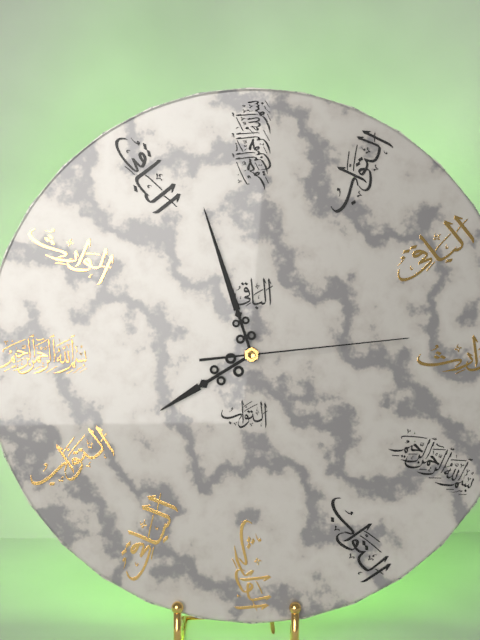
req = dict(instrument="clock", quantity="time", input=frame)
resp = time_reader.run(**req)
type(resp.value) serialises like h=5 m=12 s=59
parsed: h=7 m=57 s=14
